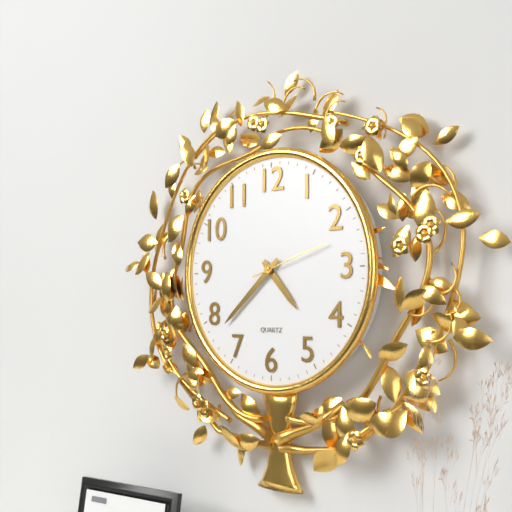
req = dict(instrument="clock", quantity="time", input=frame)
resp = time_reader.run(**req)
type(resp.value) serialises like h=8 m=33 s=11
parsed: h=4 m=38 s=12
